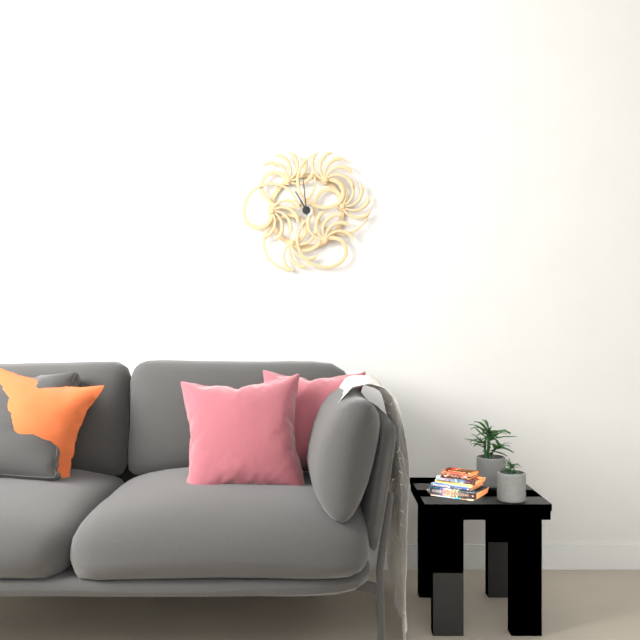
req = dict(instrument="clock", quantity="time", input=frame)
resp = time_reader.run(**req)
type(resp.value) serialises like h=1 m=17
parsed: h=10 m=59
